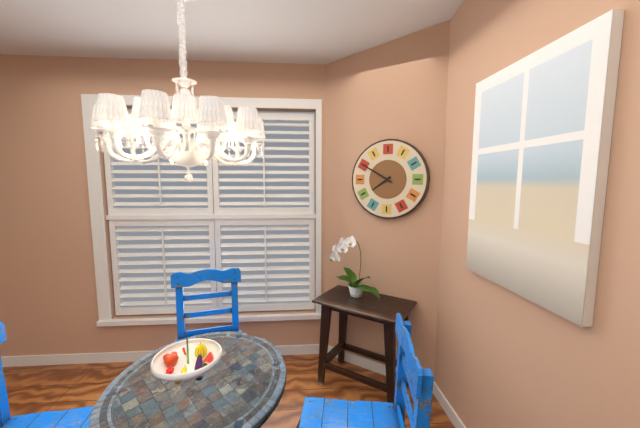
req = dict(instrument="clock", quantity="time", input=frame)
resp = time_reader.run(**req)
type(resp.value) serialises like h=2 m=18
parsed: h=7 m=50
